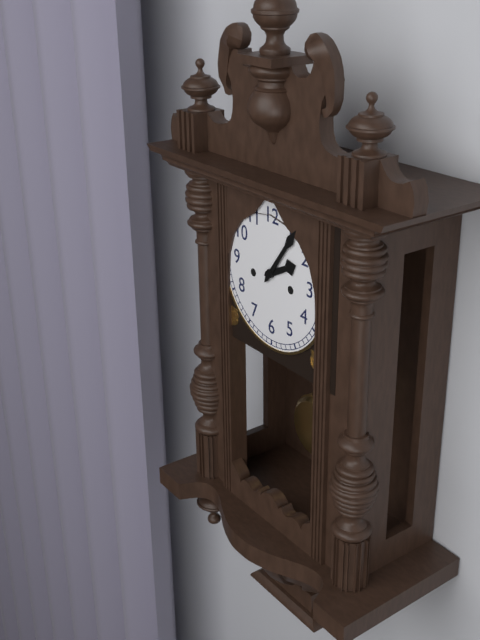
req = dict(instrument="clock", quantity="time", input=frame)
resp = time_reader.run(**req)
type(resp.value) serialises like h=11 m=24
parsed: h=2 m=6
